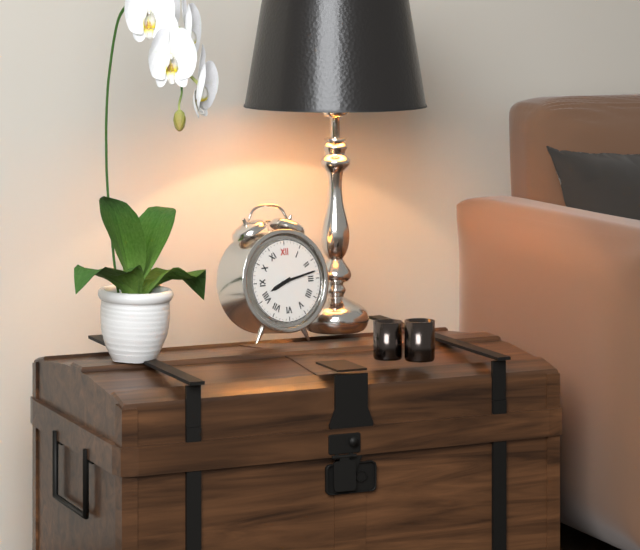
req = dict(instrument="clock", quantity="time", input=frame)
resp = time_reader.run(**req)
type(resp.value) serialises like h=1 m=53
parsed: h=8 m=13
